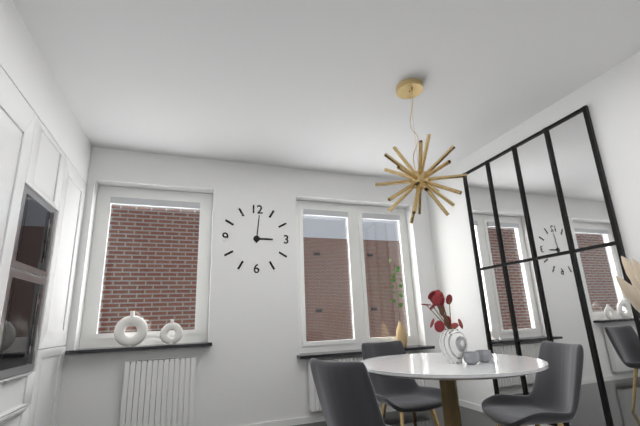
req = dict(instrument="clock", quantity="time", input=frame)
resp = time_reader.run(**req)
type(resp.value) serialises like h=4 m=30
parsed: h=3 m=1
